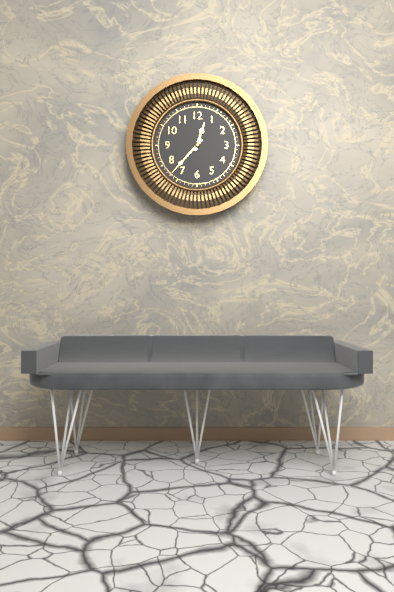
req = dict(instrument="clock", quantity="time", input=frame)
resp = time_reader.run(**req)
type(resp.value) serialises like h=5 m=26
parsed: h=12 m=37
